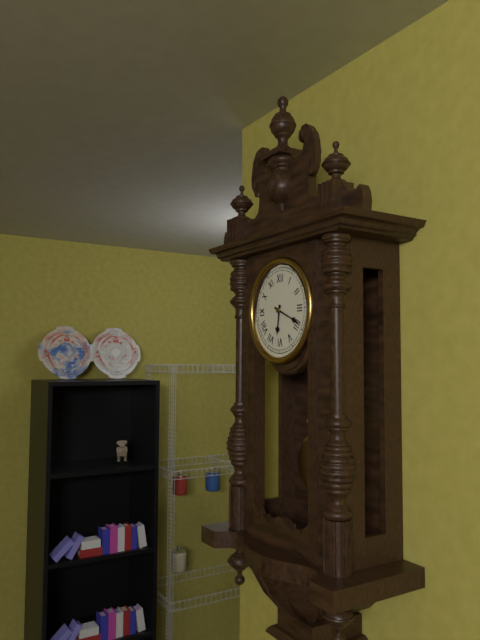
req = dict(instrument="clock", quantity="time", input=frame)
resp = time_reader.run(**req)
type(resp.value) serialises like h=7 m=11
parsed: h=6 m=19
